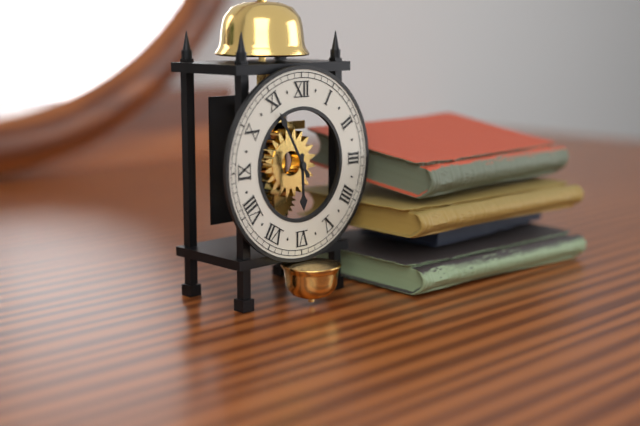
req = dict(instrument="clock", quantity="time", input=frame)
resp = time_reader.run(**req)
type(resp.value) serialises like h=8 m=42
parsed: h=5 m=55
